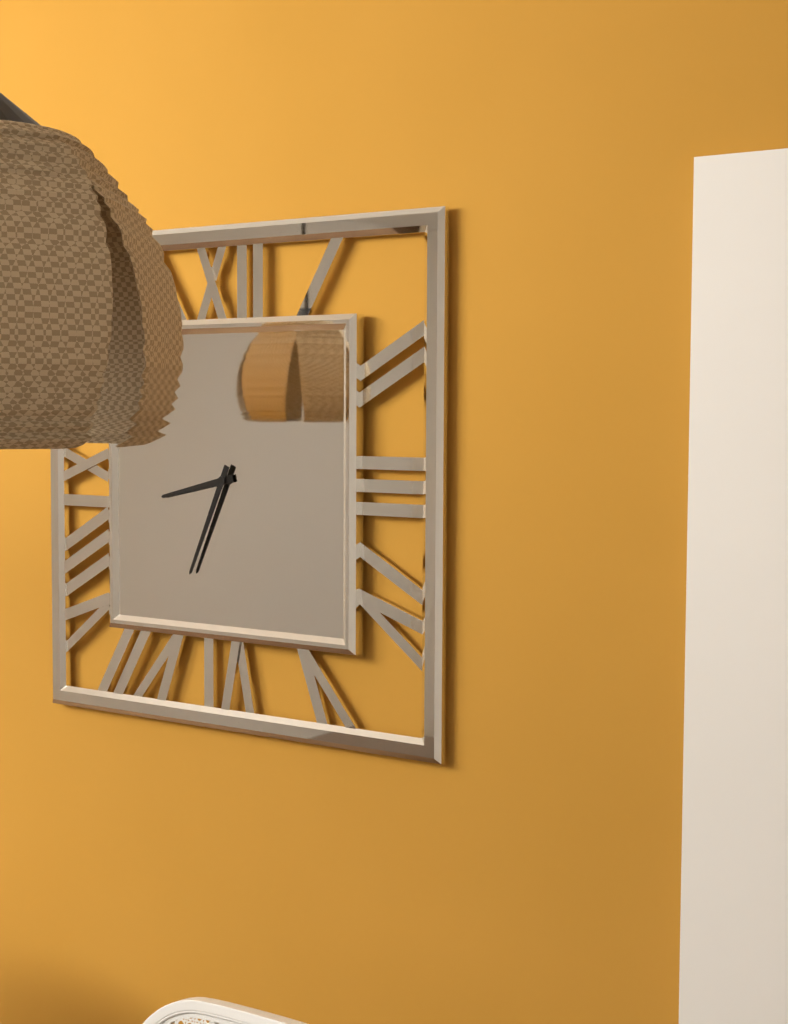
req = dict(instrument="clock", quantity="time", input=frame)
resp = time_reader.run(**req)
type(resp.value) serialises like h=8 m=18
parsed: h=8 m=34
